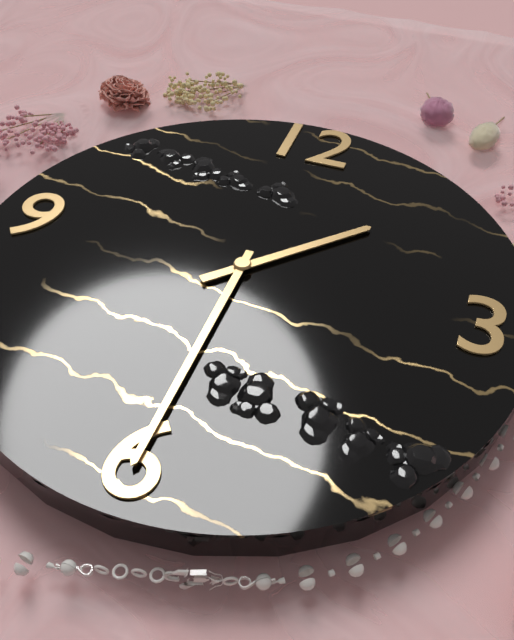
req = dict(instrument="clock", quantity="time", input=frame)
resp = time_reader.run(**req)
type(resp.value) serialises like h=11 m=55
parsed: h=1 m=30
